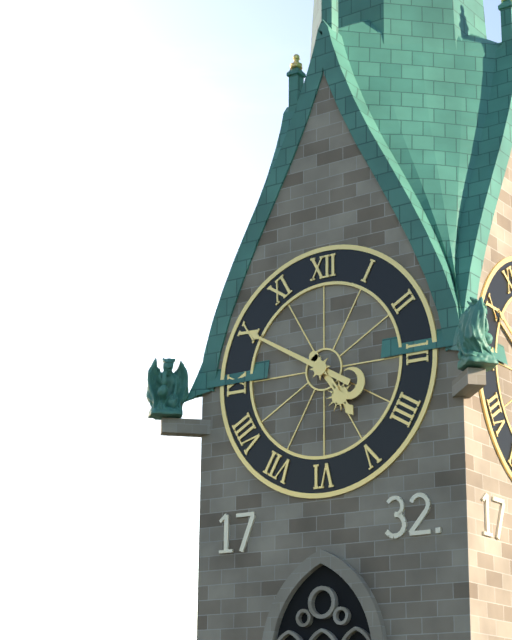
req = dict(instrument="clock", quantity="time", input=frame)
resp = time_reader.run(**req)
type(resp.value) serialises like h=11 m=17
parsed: h=4 m=50
